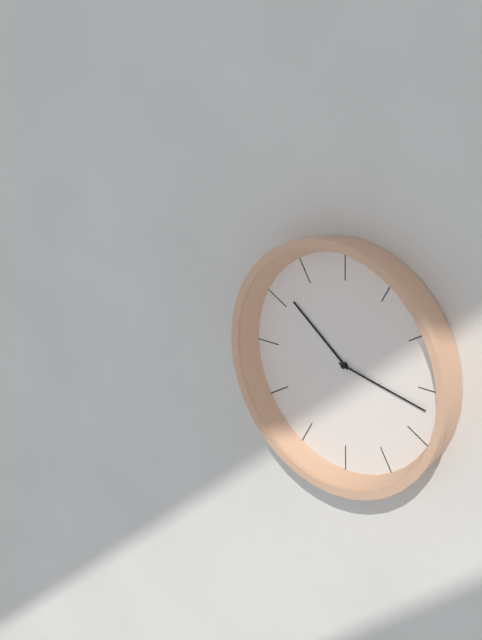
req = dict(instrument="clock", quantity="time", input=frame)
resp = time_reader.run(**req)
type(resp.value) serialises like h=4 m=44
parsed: h=10 m=17
